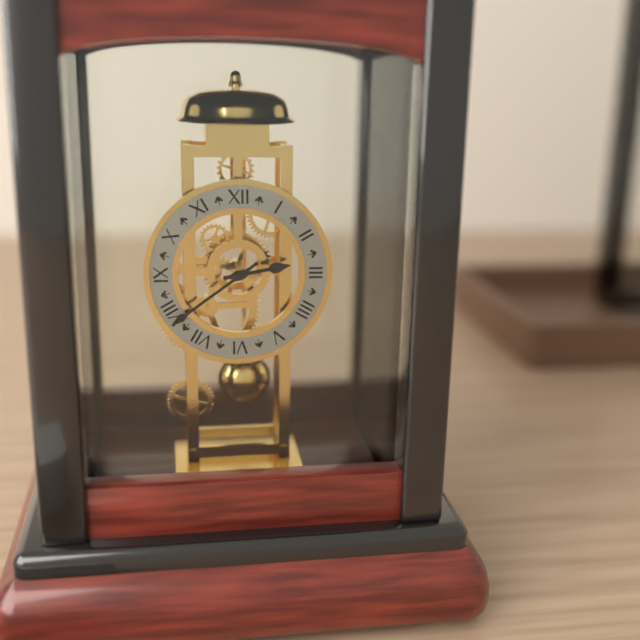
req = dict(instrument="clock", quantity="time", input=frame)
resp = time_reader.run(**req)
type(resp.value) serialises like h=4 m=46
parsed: h=2 m=39
